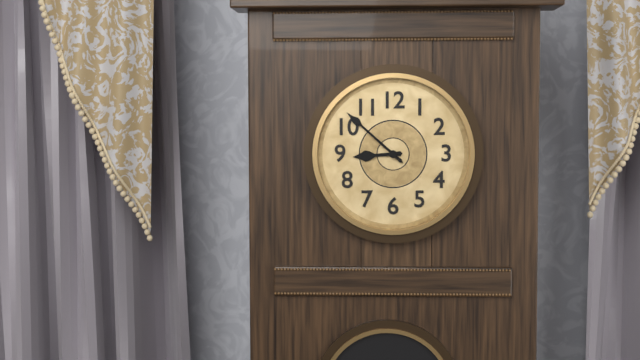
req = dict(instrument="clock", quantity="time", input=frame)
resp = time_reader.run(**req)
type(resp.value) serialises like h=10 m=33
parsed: h=8 m=52
